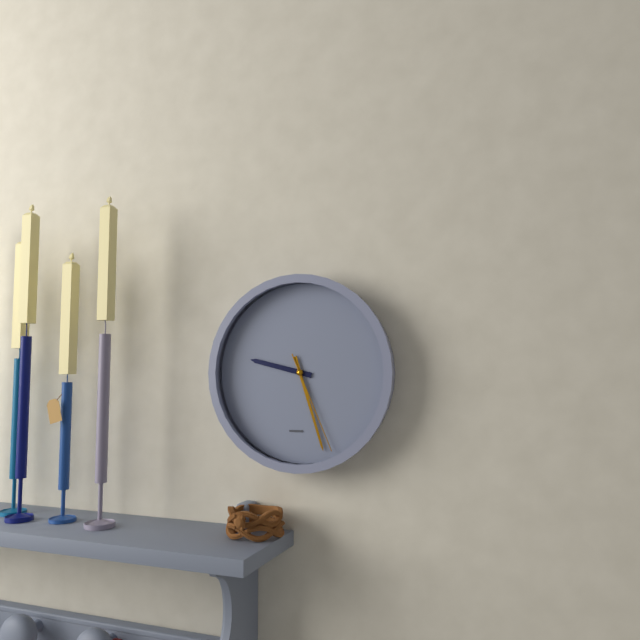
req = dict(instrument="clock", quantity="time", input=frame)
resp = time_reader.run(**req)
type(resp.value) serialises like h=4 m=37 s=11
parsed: h=9 m=27 s=26
